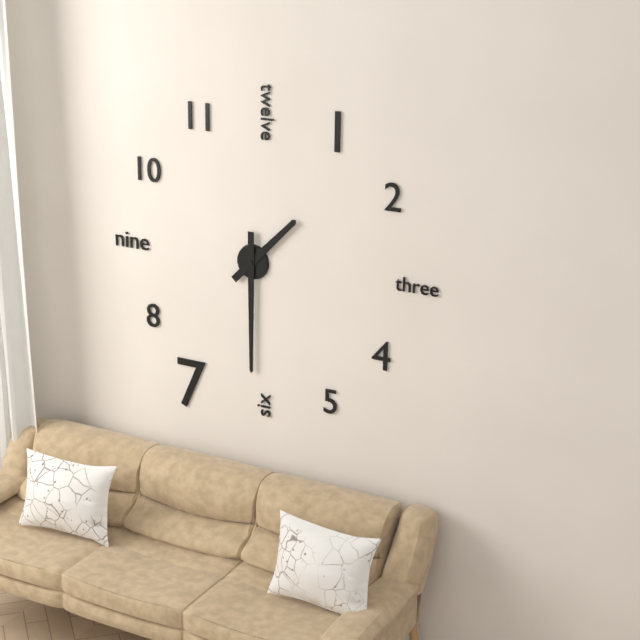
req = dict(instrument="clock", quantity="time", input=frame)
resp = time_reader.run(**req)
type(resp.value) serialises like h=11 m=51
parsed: h=1 m=30
